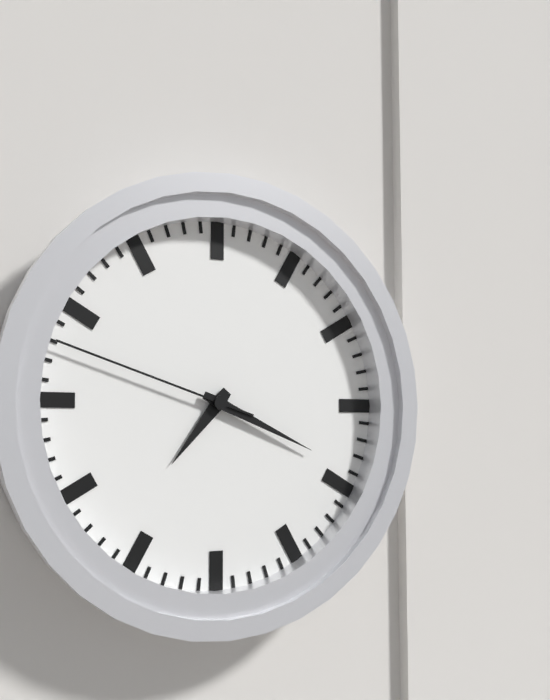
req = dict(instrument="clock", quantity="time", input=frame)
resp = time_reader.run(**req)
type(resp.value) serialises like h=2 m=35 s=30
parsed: h=7 m=19 s=48
